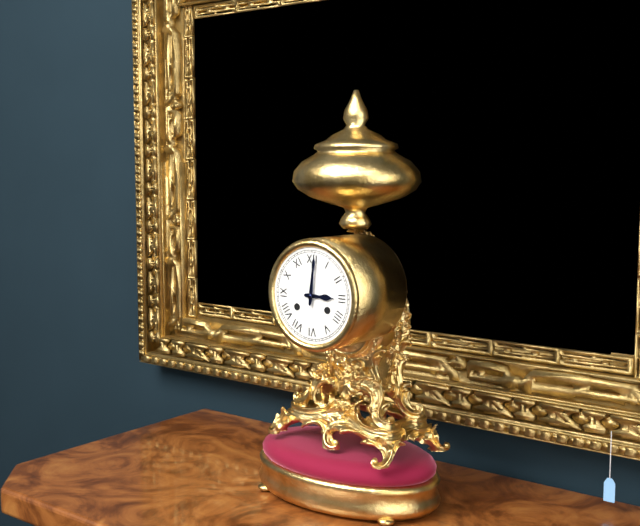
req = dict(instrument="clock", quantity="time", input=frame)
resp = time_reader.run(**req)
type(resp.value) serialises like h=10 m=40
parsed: h=3 m=1
